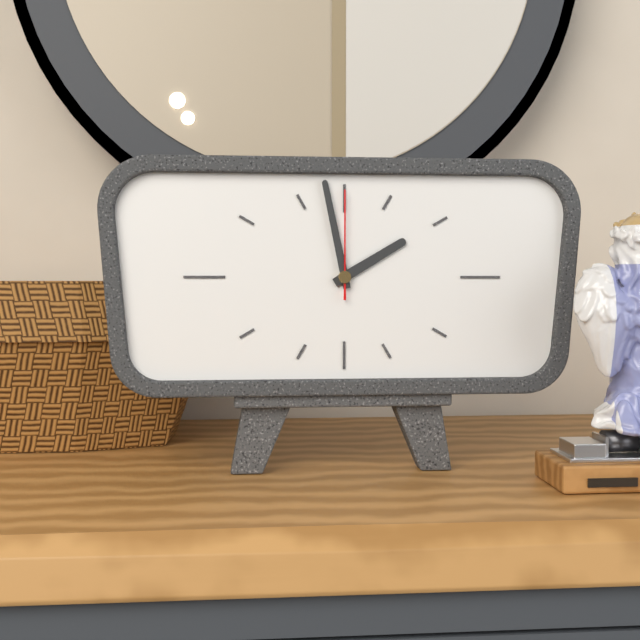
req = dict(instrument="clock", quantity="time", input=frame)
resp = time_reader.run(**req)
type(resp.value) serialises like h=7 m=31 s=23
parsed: h=1 m=58 s=0
